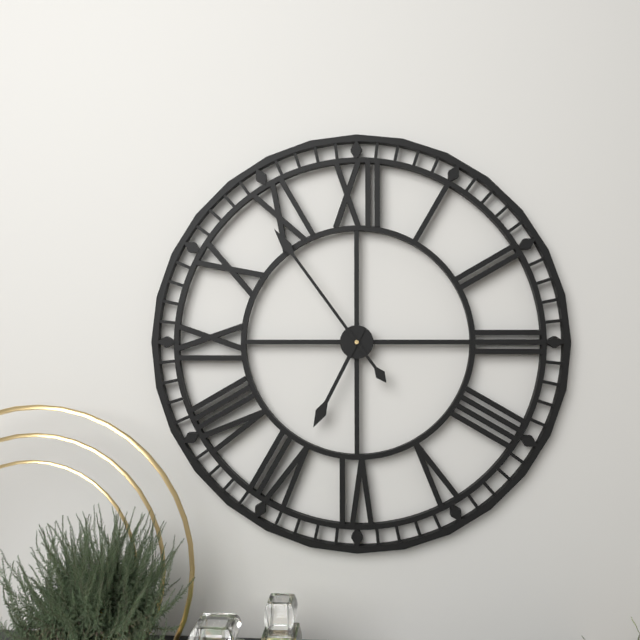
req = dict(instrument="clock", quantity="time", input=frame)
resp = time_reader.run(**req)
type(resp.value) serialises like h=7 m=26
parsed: h=6 m=54
